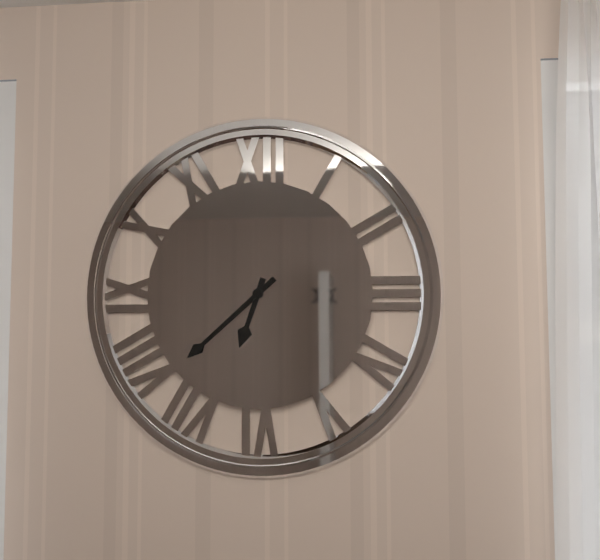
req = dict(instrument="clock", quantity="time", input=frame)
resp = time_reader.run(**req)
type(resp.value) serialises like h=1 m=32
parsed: h=6 m=38
